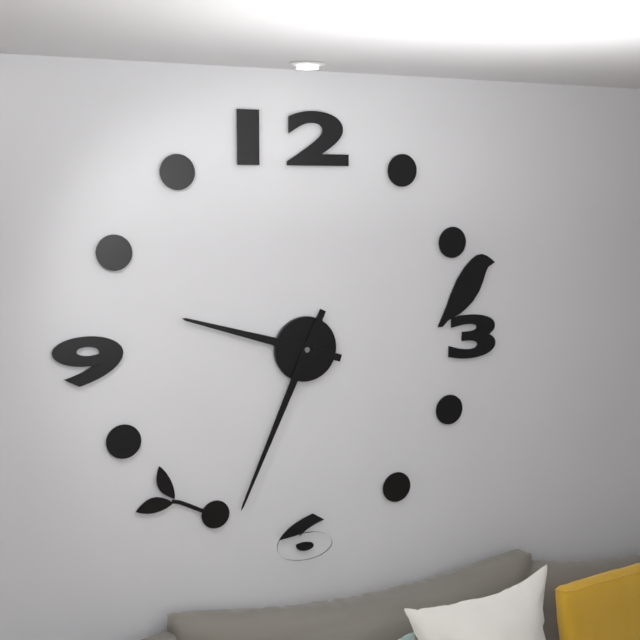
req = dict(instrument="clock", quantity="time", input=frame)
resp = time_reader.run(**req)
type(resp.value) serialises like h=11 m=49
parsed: h=9 m=34
